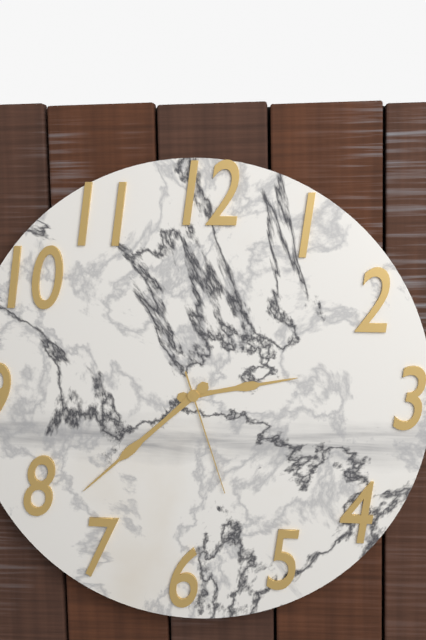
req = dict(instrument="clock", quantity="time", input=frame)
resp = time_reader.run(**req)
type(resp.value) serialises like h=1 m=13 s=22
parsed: h=2 m=38 s=27
